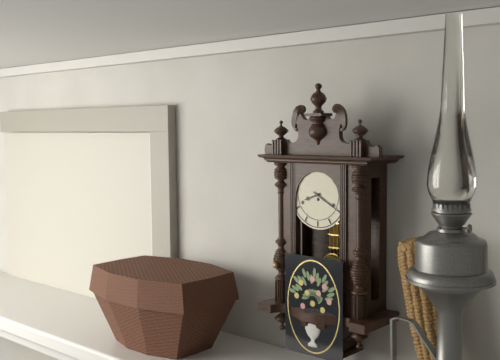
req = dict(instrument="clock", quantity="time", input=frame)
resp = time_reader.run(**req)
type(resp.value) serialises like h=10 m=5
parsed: h=8 m=20
